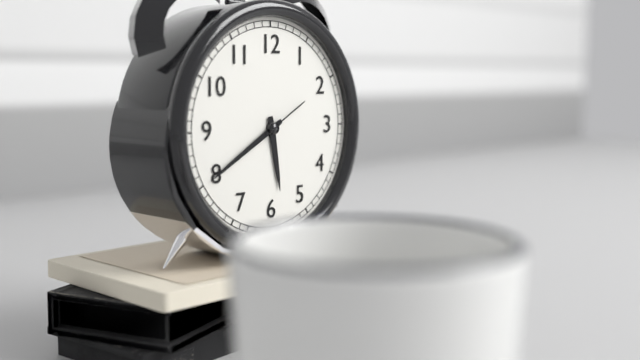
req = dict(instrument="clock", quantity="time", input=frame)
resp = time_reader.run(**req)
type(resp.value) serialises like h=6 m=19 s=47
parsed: h=5 m=40 s=10
